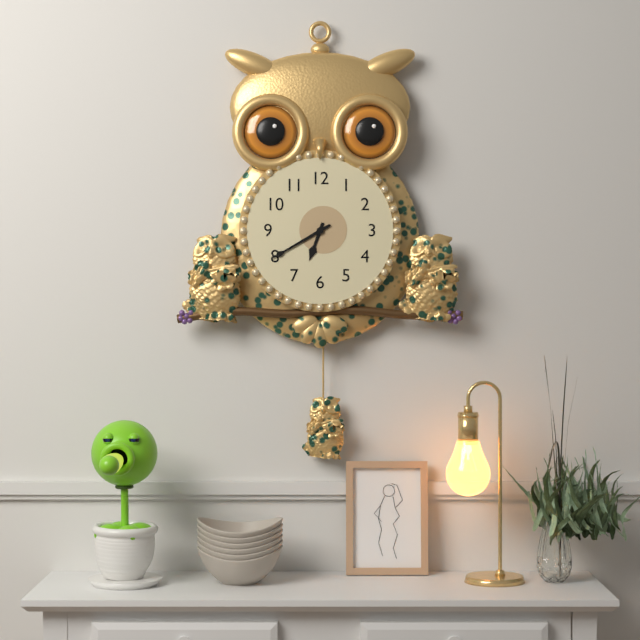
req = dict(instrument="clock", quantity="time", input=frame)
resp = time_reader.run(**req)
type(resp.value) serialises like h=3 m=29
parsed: h=6 m=40
